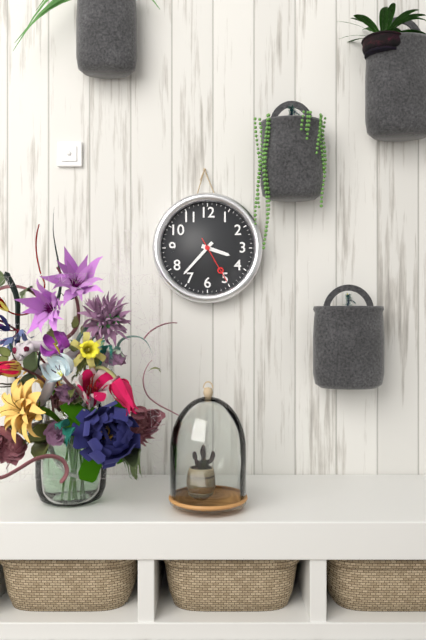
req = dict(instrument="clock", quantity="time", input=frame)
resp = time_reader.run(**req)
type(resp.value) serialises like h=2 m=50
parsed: h=3 m=37
